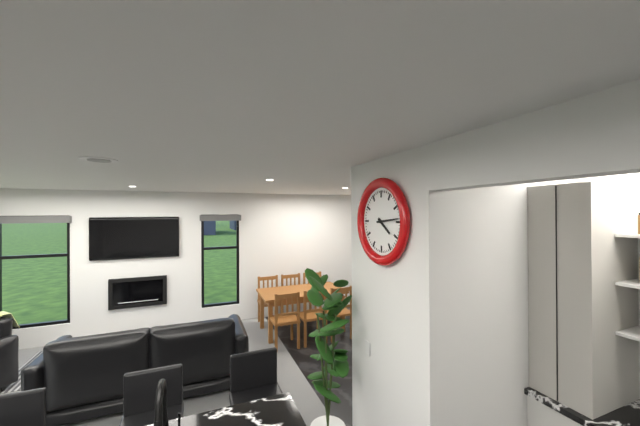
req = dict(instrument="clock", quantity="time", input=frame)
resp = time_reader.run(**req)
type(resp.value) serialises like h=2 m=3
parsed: h=4 m=14
